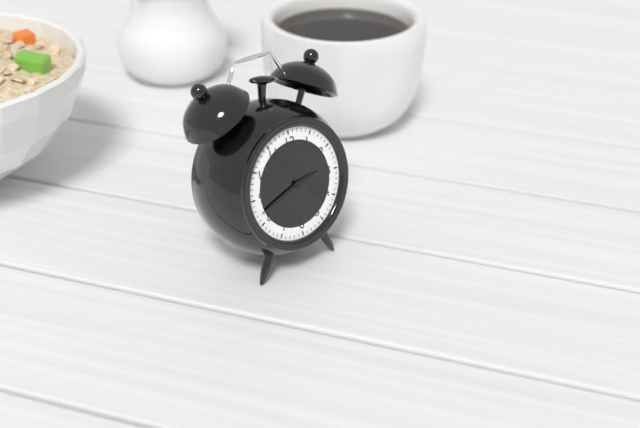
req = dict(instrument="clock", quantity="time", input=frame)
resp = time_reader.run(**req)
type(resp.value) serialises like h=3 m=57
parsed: h=2 m=42
